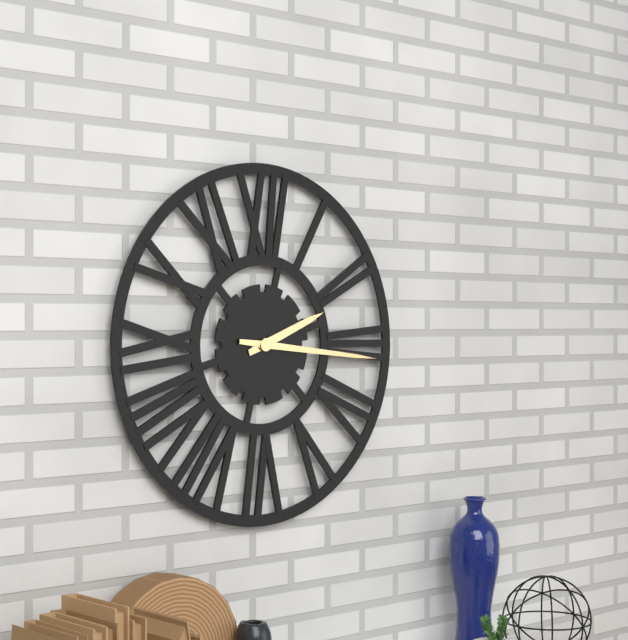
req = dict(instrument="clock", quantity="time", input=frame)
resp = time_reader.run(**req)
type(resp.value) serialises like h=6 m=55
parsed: h=2 m=16
